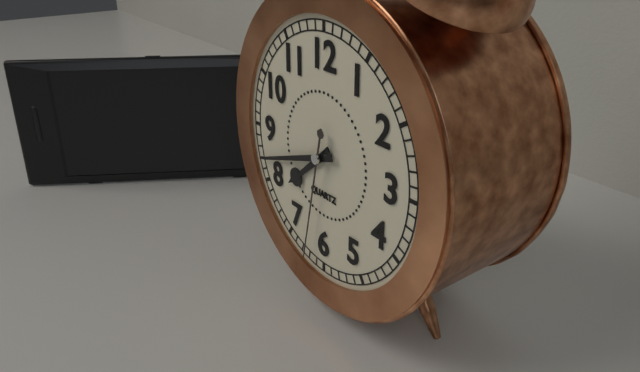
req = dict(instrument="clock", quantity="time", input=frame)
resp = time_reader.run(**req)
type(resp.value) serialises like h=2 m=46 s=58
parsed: h=7 m=42 s=32
